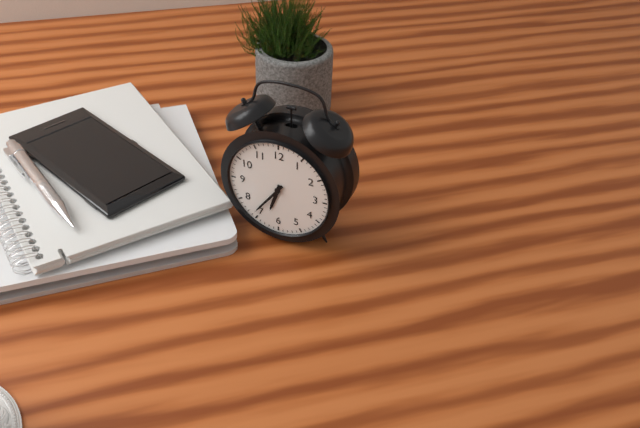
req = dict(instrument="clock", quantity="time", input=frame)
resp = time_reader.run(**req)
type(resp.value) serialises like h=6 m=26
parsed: h=6 m=36
